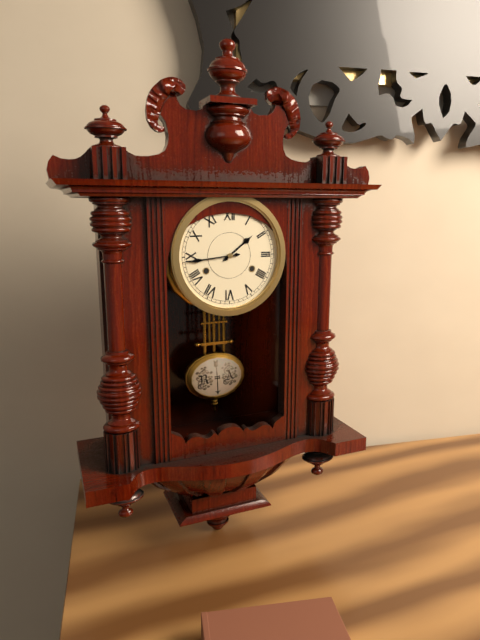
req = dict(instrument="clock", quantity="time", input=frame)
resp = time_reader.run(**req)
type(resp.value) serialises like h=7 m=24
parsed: h=1 m=44
